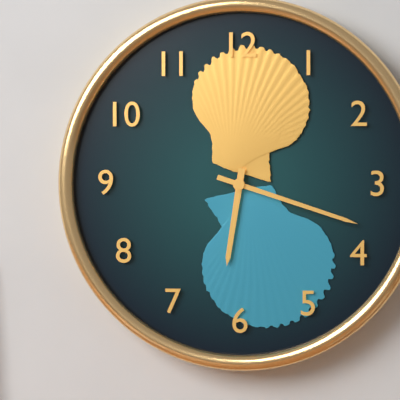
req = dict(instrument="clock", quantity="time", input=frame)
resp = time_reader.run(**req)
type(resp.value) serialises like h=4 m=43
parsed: h=6 m=18
